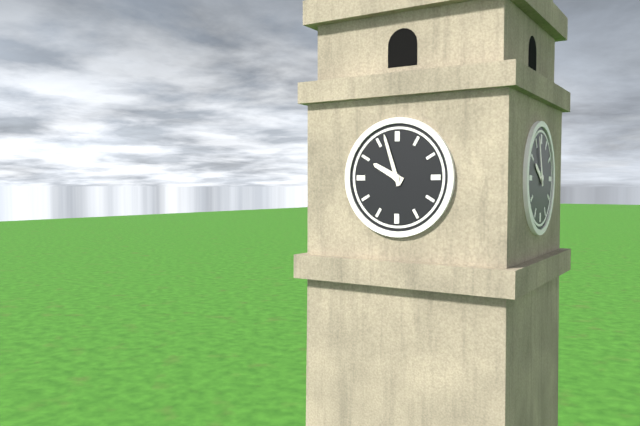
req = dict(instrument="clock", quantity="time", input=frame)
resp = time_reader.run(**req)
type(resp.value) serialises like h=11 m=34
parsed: h=9 m=57
